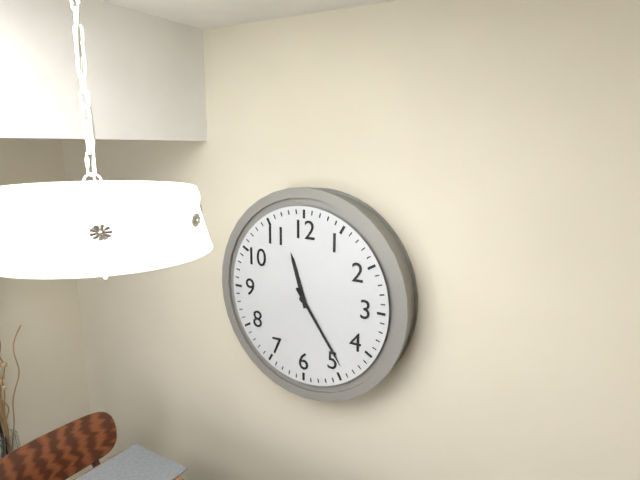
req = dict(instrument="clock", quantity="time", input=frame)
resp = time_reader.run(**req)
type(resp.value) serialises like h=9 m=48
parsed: h=11 m=24
